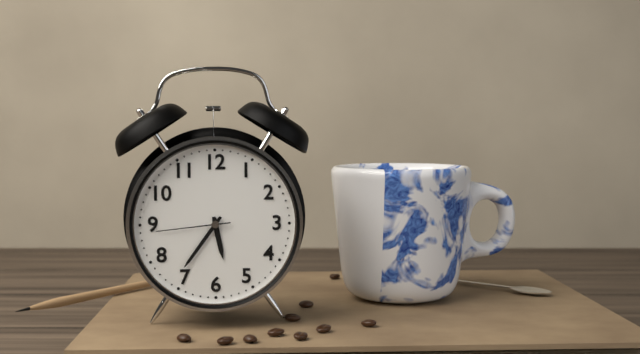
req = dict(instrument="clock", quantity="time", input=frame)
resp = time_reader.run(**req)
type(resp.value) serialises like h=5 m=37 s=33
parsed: h=5 m=36 s=44
